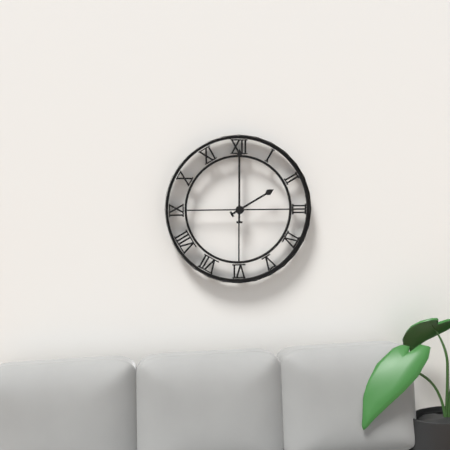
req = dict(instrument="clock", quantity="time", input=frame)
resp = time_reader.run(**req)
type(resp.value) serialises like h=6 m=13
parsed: h=2 m=0
